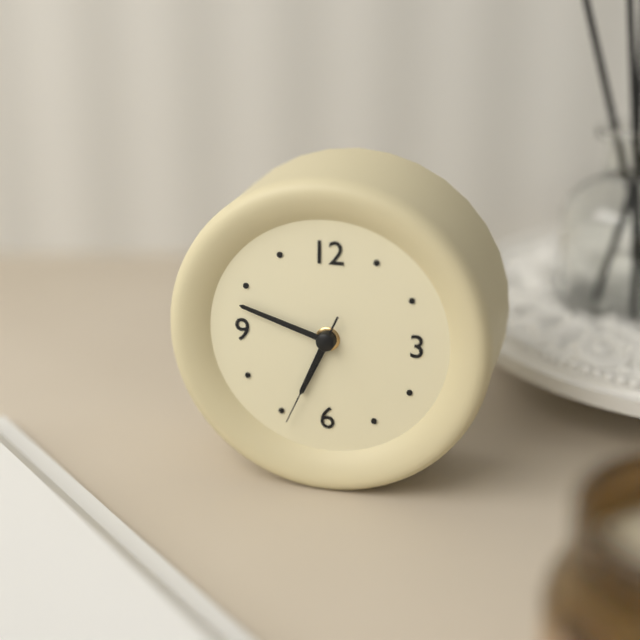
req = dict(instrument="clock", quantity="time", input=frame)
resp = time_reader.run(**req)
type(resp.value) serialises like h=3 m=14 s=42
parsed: h=6 m=48 s=34
